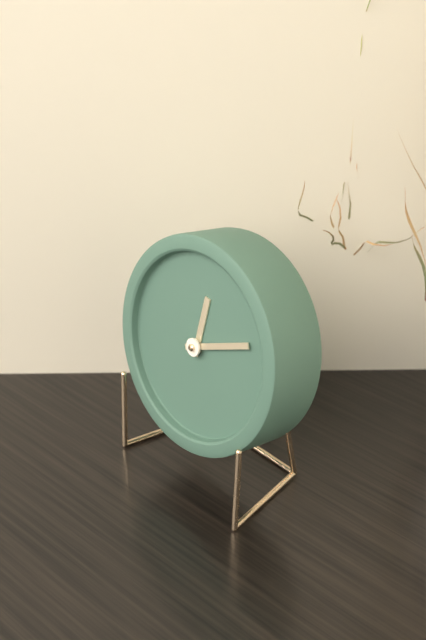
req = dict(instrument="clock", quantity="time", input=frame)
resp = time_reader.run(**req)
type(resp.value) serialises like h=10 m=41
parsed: h=12 m=11
